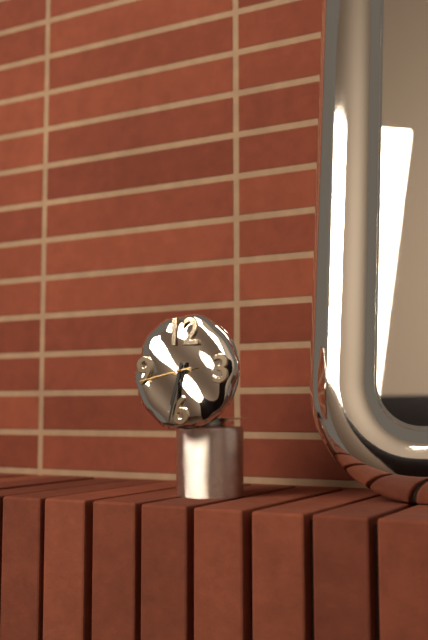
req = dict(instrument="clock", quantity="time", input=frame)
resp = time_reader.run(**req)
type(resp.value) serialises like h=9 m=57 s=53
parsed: h=6 m=32 s=43
